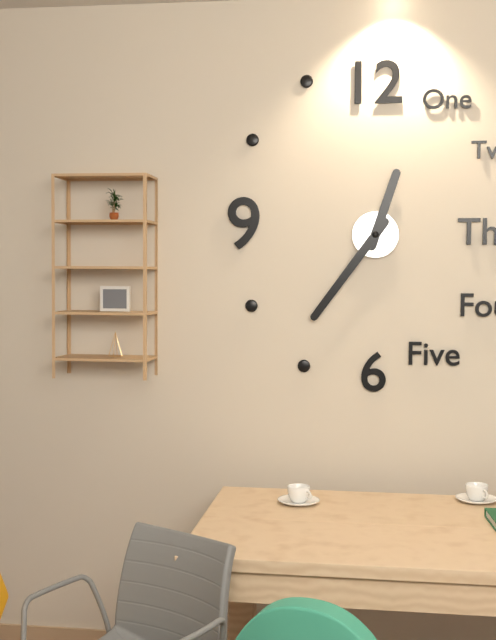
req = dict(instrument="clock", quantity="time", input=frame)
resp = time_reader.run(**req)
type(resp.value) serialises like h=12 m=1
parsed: h=12 m=36
